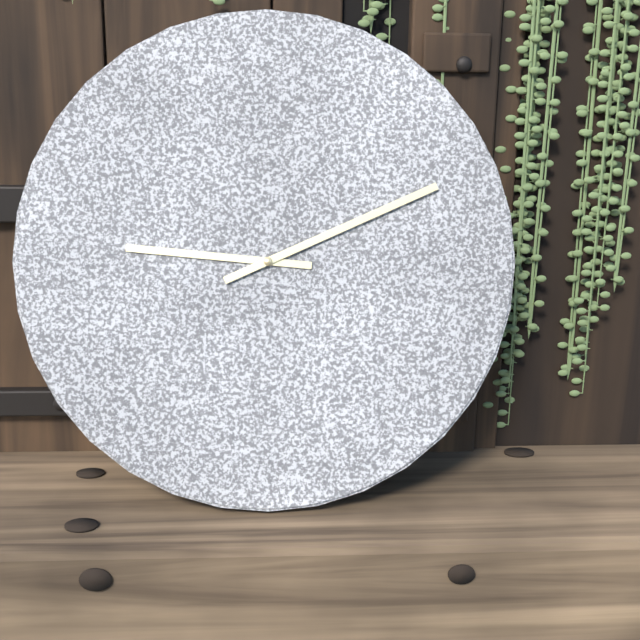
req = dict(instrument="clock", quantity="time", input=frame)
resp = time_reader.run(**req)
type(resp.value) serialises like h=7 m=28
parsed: h=9 m=11
